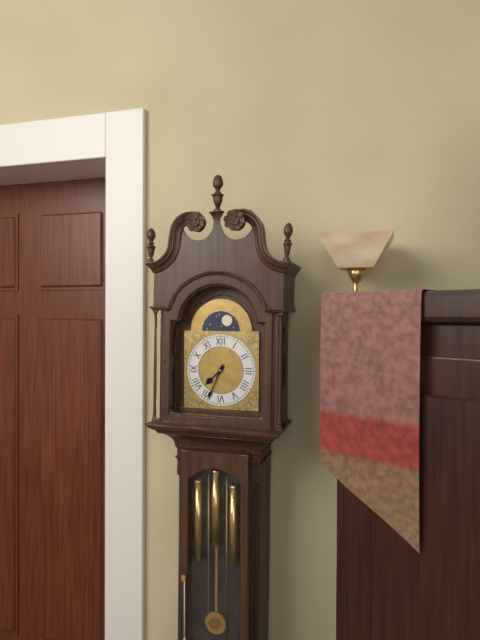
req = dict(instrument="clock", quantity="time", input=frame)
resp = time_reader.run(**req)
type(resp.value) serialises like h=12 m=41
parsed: h=7 m=34
